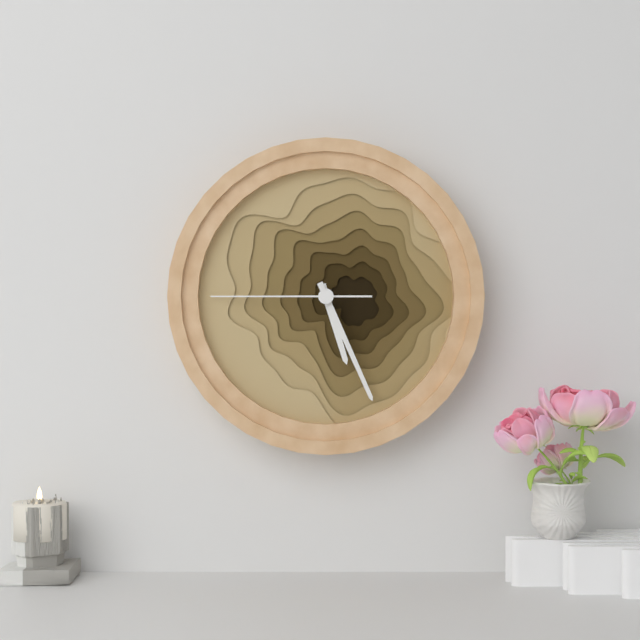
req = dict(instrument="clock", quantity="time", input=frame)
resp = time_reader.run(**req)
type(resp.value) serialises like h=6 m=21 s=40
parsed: h=5 m=26 s=45
